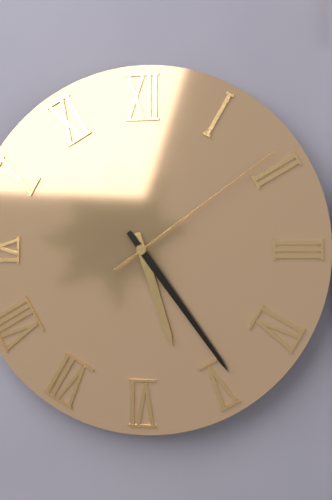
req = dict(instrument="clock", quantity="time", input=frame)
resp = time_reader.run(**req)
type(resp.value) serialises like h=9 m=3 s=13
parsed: h=5 m=24 s=9
